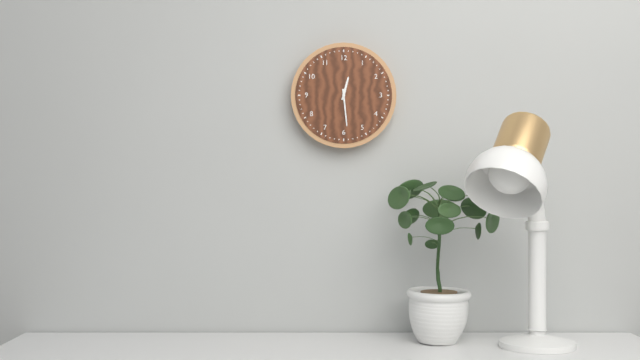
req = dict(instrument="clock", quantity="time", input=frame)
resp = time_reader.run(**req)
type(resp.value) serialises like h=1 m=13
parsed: h=12 m=29
